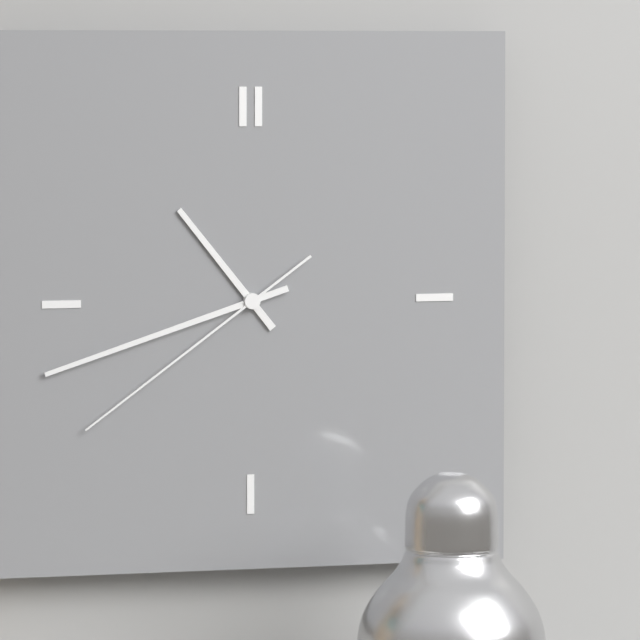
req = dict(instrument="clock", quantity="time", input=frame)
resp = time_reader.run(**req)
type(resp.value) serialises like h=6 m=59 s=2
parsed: h=10 m=42 s=39
